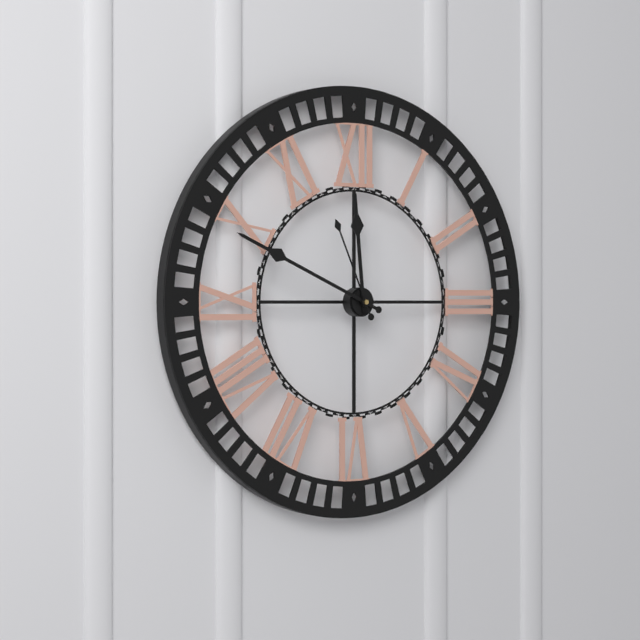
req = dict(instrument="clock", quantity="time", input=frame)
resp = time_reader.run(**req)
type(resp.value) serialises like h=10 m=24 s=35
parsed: h=11 m=49 s=56
